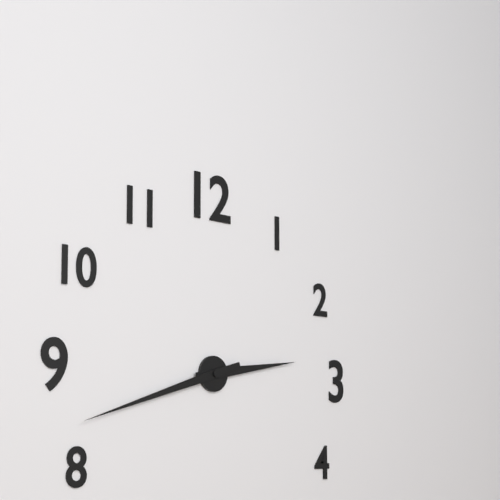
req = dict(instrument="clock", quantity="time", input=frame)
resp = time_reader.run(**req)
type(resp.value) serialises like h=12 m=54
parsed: h=2 m=42
